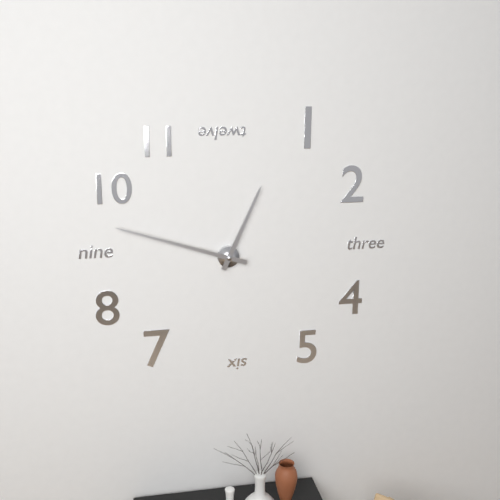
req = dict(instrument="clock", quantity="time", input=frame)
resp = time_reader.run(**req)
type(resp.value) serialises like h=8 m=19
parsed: h=12 m=48
